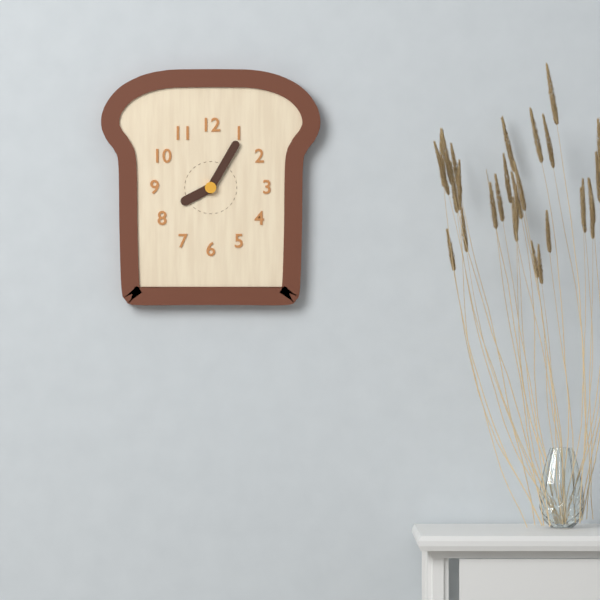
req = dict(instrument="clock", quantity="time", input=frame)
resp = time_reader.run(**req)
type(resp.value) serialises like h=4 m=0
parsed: h=8 m=5
